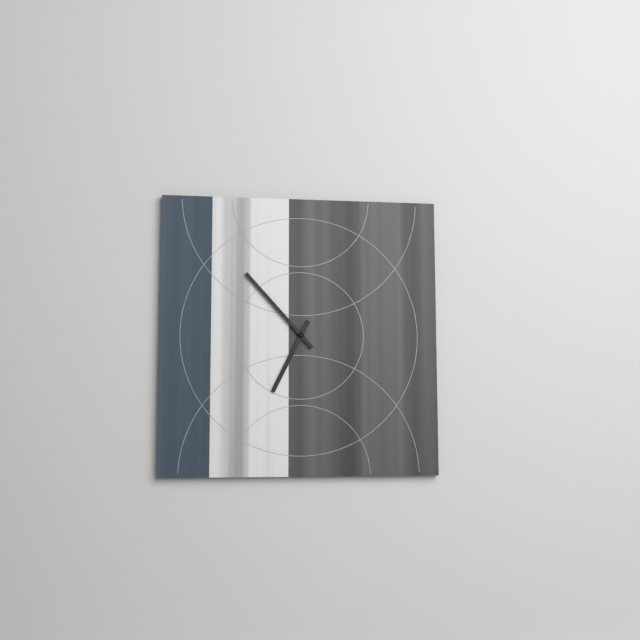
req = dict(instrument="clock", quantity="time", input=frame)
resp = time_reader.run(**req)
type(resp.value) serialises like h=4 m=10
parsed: h=6 m=53
